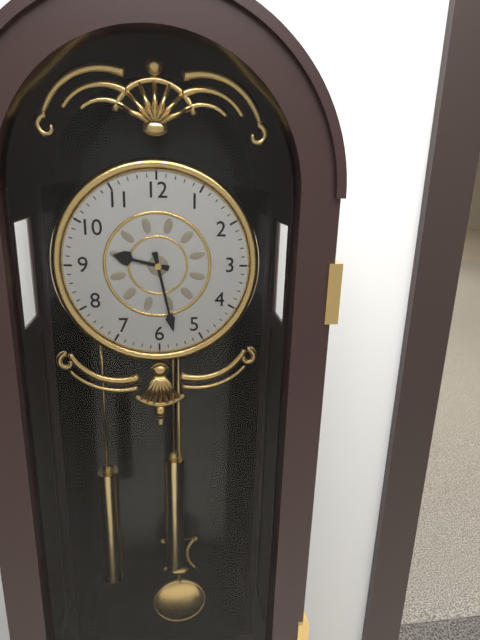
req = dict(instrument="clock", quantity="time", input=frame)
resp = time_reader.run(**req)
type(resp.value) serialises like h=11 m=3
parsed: h=9 m=28
